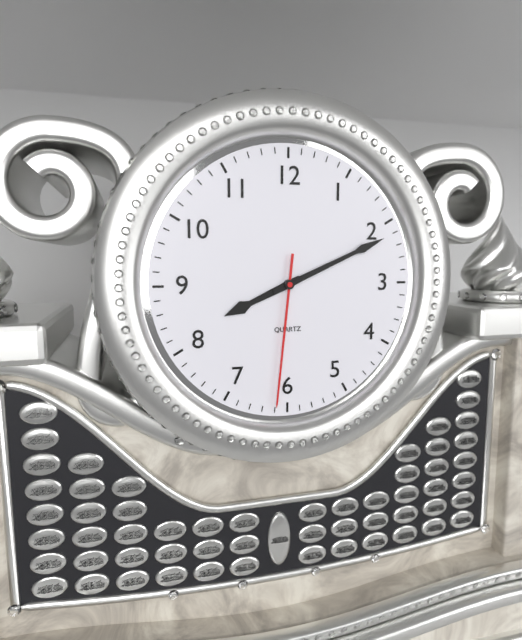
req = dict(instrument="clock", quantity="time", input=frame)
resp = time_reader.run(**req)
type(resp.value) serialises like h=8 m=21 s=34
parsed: h=8 m=11 s=31
